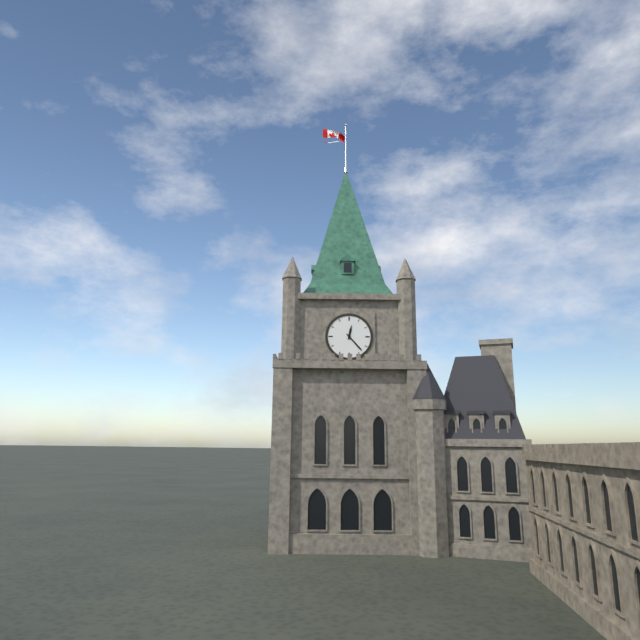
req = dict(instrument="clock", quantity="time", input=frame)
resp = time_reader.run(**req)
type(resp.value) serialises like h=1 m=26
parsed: h=12 m=23
